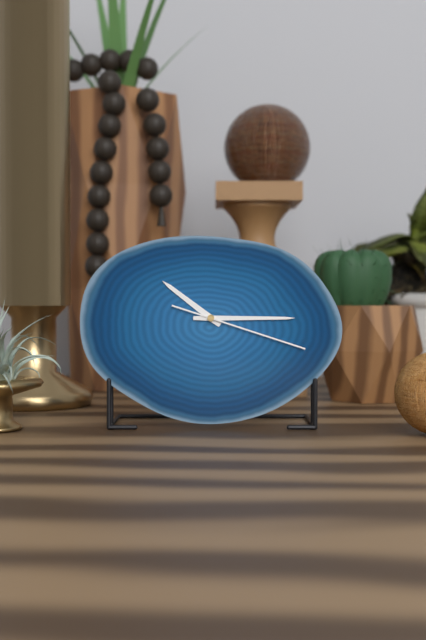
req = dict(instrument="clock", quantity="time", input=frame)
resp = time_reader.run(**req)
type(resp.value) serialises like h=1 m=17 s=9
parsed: h=10 m=15 s=18
